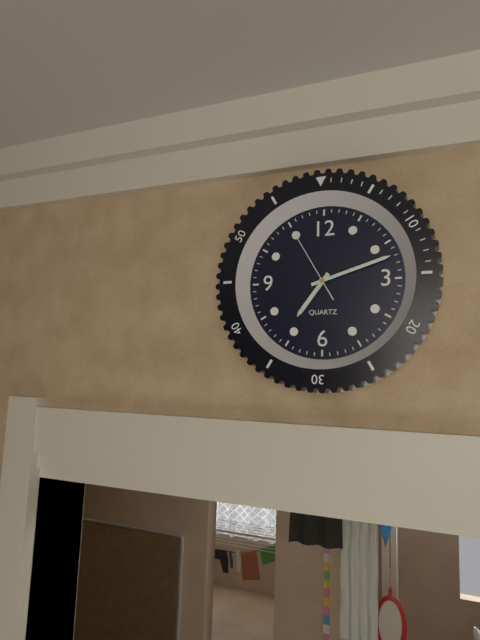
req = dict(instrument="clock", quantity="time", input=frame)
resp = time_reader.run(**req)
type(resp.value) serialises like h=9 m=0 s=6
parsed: h=7 m=12 s=55
